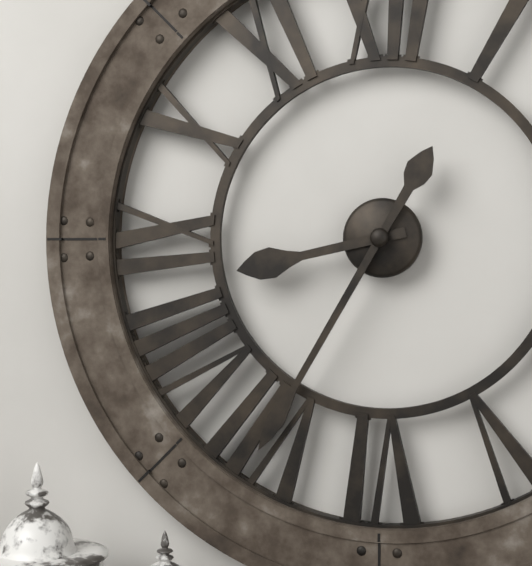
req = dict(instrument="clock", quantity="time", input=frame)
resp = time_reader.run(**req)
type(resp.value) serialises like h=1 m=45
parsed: h=8 m=35
